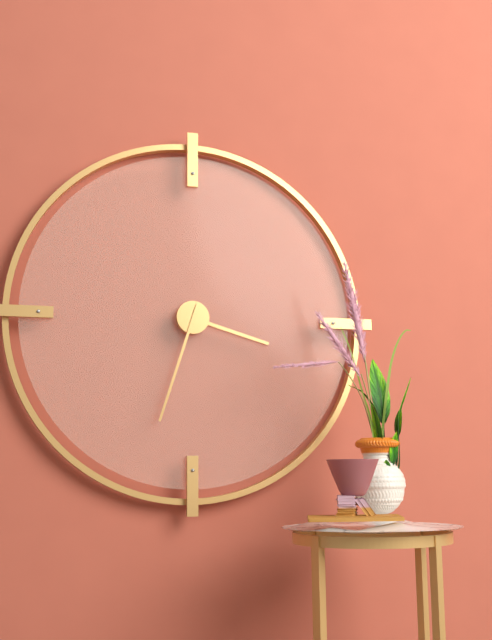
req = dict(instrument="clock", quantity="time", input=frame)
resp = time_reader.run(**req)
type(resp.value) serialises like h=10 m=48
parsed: h=3 m=33
